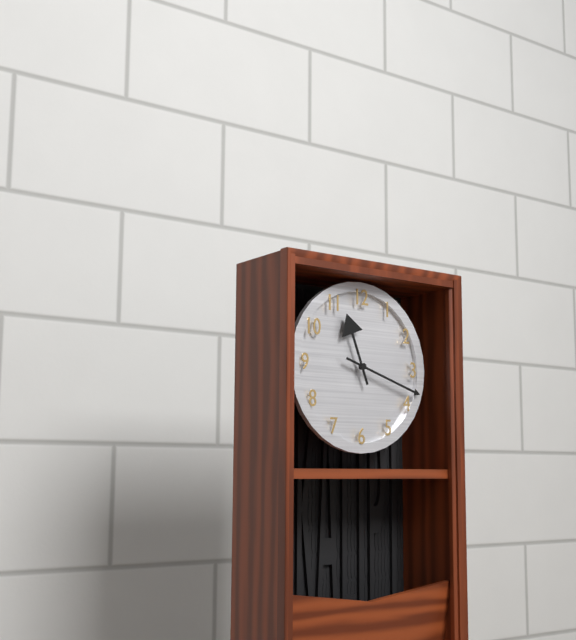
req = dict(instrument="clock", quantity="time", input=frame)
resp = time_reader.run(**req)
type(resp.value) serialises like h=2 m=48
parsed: h=11 m=18
